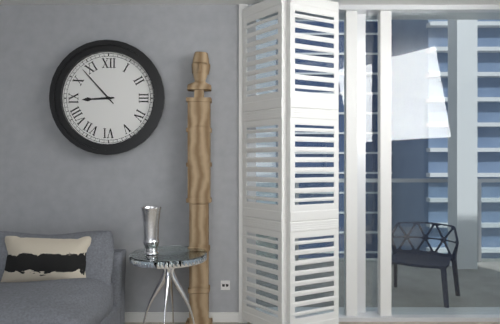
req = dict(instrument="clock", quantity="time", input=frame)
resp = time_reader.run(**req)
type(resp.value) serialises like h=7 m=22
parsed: h=8 m=53
